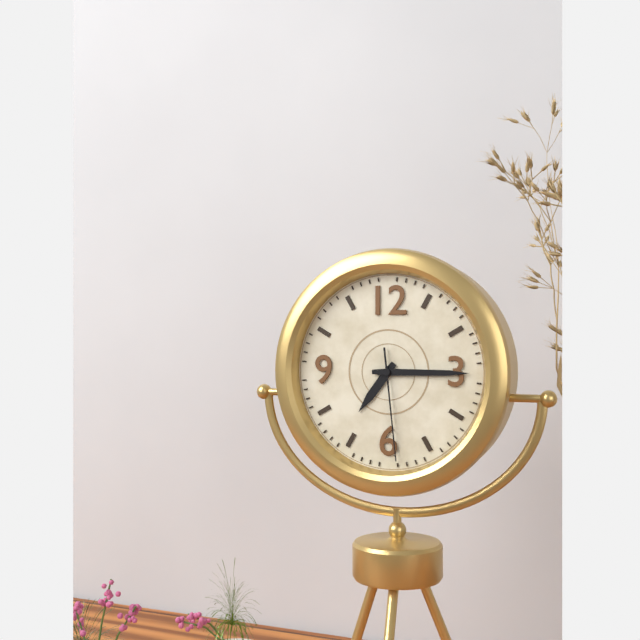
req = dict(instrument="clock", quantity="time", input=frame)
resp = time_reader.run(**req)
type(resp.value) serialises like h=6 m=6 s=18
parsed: h=7 m=15 s=29
